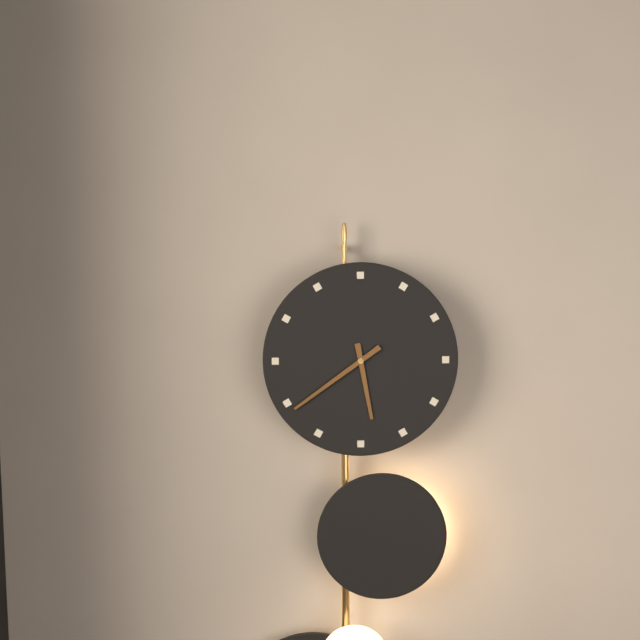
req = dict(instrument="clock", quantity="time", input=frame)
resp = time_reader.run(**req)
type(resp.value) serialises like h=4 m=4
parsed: h=5 m=39
